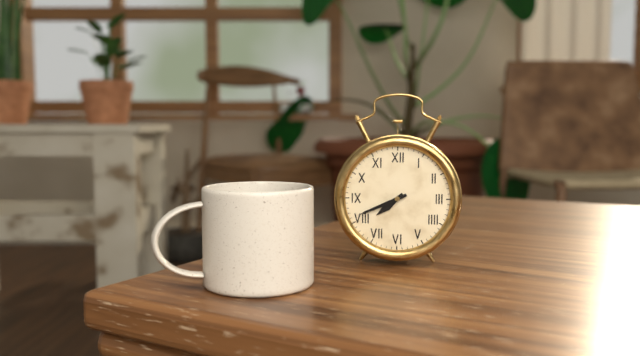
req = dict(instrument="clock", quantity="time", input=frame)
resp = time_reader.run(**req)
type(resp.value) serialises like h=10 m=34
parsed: h=7 m=41
